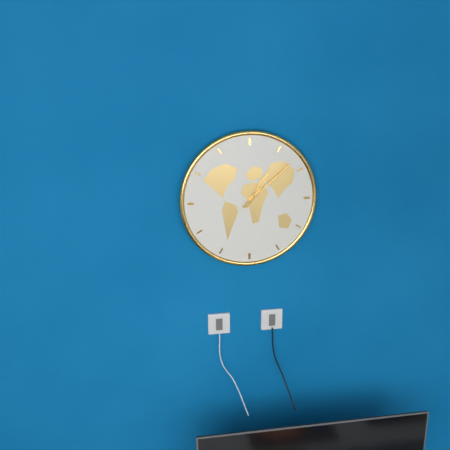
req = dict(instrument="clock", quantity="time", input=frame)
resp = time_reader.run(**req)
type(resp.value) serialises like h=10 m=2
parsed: h=1 m=8
